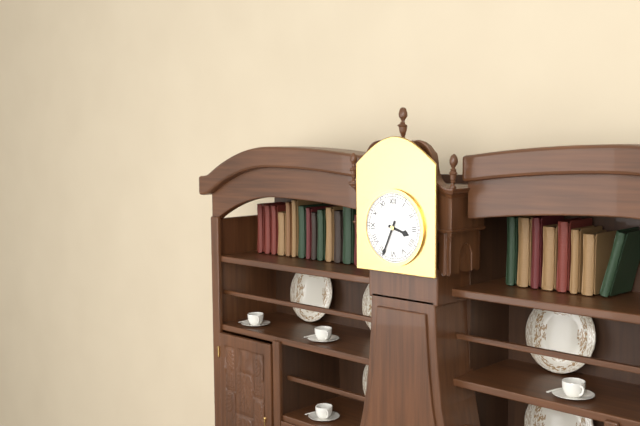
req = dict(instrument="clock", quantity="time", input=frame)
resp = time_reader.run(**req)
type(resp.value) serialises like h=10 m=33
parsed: h=3 m=34
